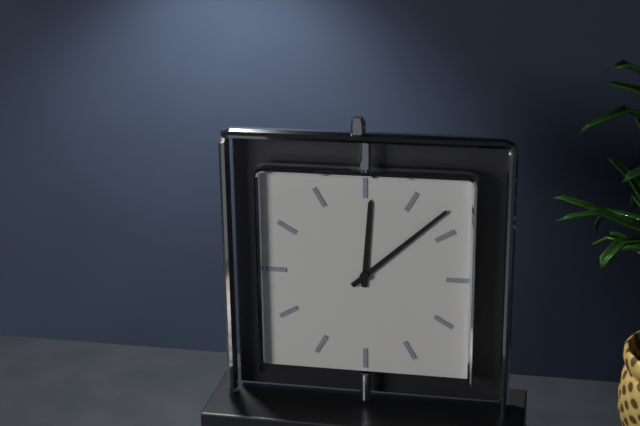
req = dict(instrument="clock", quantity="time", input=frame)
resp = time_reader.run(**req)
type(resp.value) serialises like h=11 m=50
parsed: h=12 m=8
